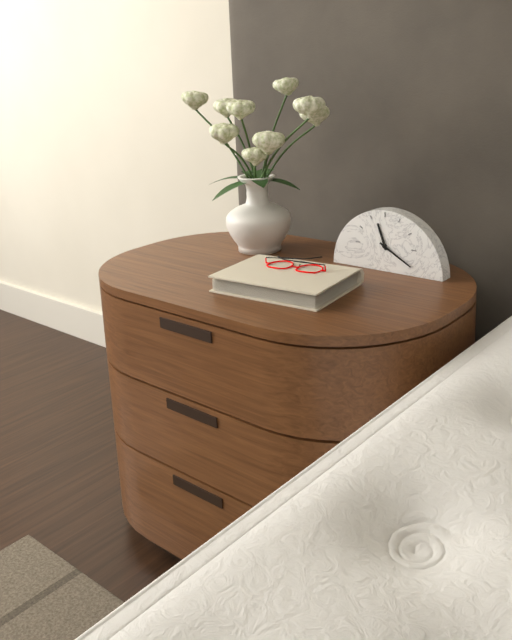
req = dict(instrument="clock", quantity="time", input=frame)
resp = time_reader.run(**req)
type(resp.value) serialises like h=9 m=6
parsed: h=11 m=20
